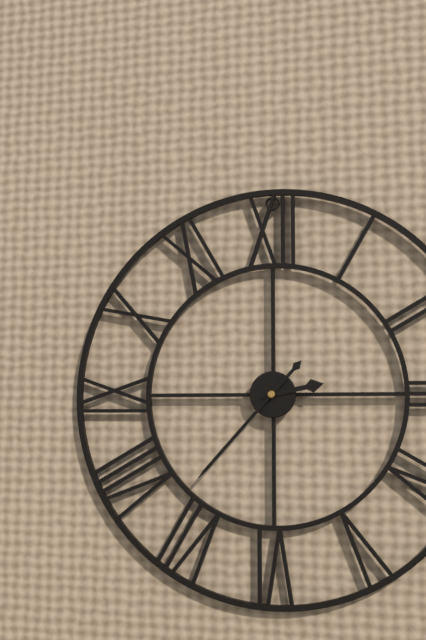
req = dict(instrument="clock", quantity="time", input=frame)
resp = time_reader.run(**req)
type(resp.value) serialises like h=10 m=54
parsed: h=2 m=37
